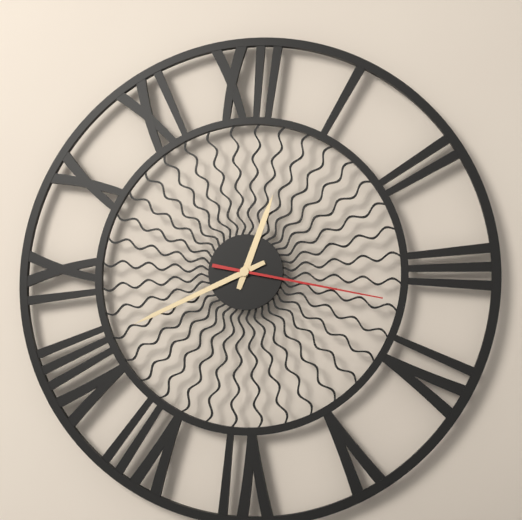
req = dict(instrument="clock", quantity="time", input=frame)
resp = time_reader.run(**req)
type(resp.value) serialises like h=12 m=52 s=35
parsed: h=12 m=41 s=17
